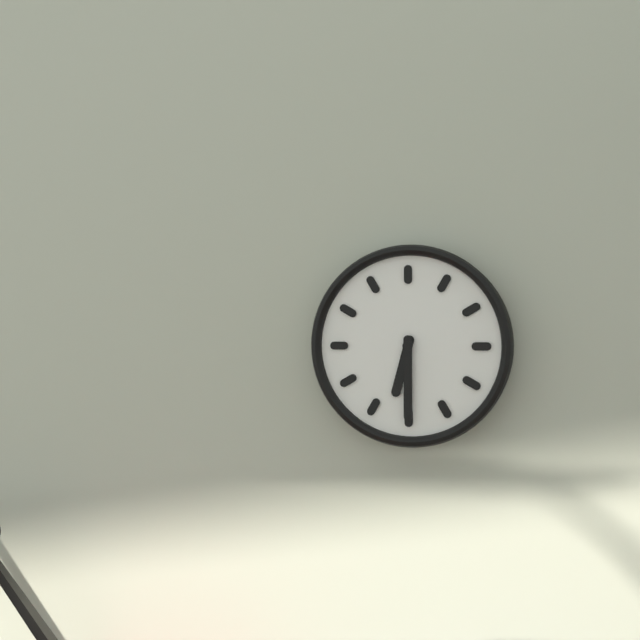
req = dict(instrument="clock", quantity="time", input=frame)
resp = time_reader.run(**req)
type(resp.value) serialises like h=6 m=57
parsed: h=6 m=30
